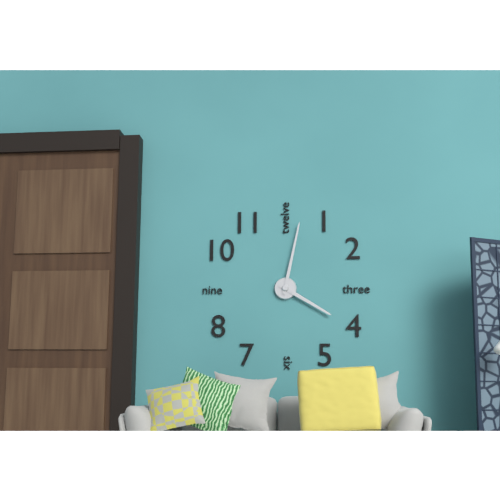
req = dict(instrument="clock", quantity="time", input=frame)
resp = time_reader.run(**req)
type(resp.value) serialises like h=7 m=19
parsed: h=4 m=2
